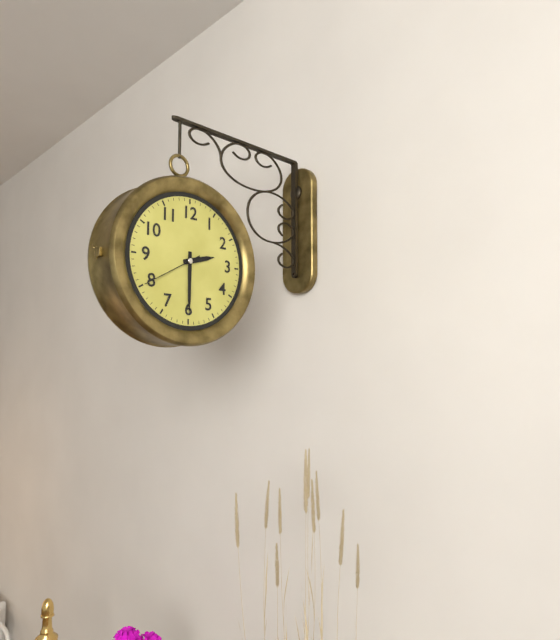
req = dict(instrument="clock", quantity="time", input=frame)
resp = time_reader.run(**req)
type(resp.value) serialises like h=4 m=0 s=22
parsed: h=2 m=30 s=40
